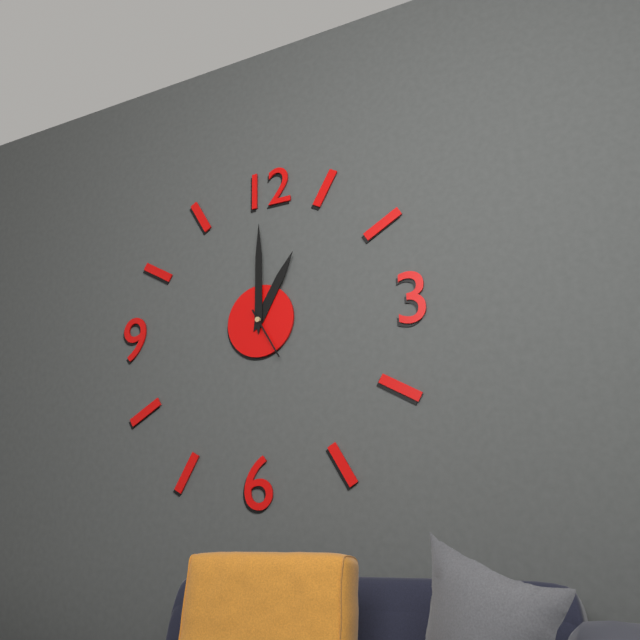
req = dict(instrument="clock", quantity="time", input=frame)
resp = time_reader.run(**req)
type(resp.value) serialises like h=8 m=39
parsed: h=1 m=0
